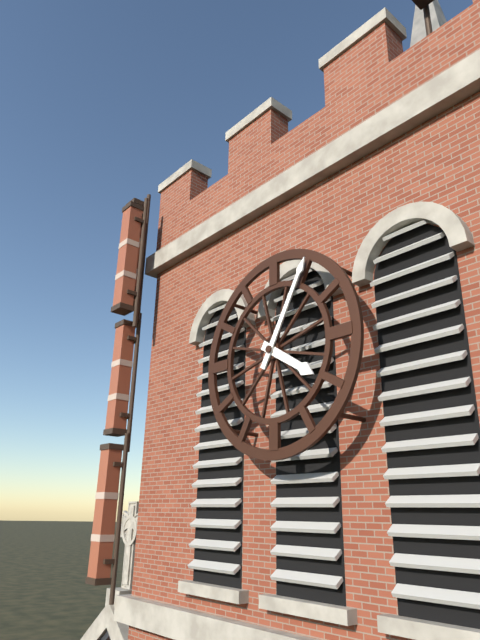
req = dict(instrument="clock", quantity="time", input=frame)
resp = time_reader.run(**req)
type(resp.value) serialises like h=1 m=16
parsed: h=4 m=5
